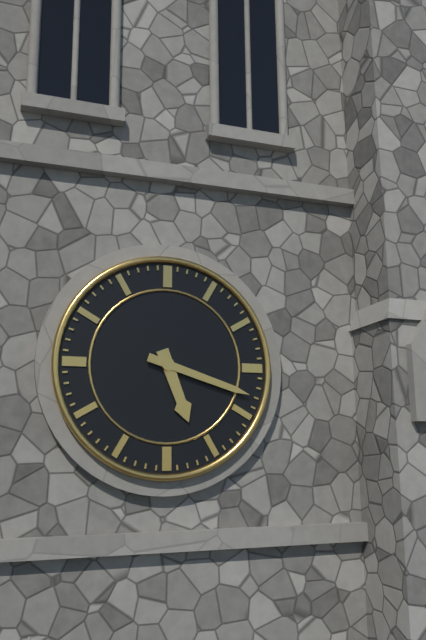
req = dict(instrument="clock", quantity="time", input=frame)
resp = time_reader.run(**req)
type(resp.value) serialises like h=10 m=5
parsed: h=5 m=18
